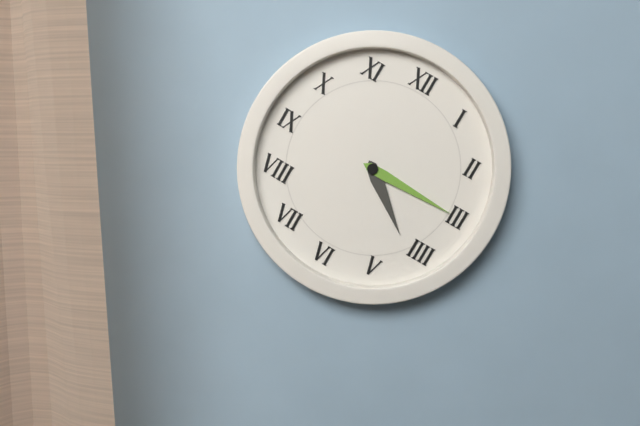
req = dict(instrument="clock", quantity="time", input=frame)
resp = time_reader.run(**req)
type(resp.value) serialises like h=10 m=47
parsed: h=4 m=15
